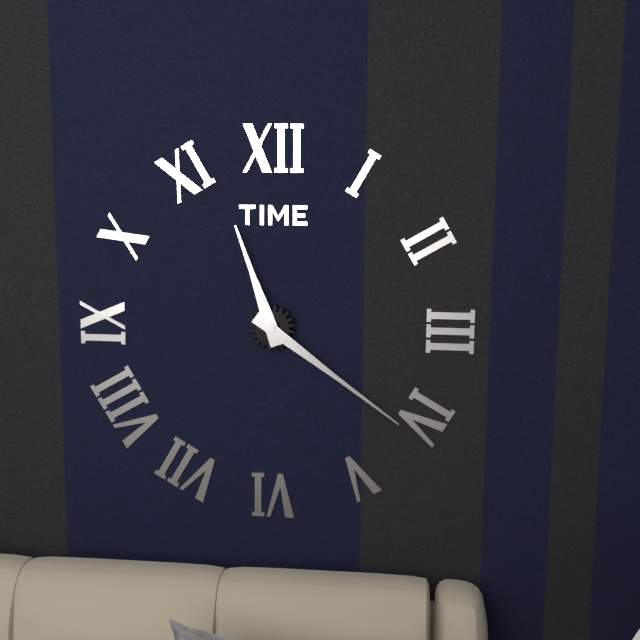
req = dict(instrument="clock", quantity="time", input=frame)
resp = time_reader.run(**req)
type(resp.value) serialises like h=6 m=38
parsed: h=11 m=21
